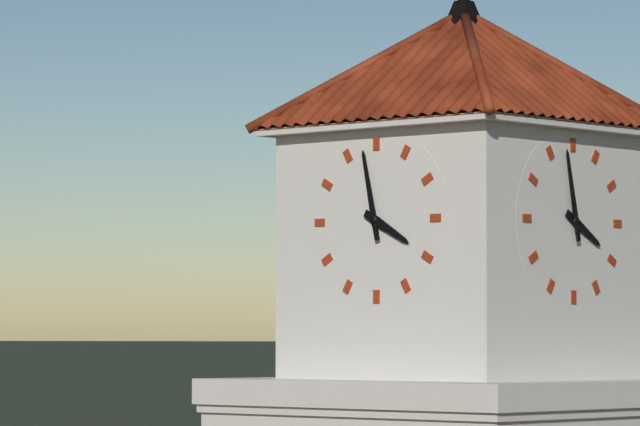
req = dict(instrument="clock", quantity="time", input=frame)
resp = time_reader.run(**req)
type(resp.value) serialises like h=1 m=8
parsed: h=3 m=58
